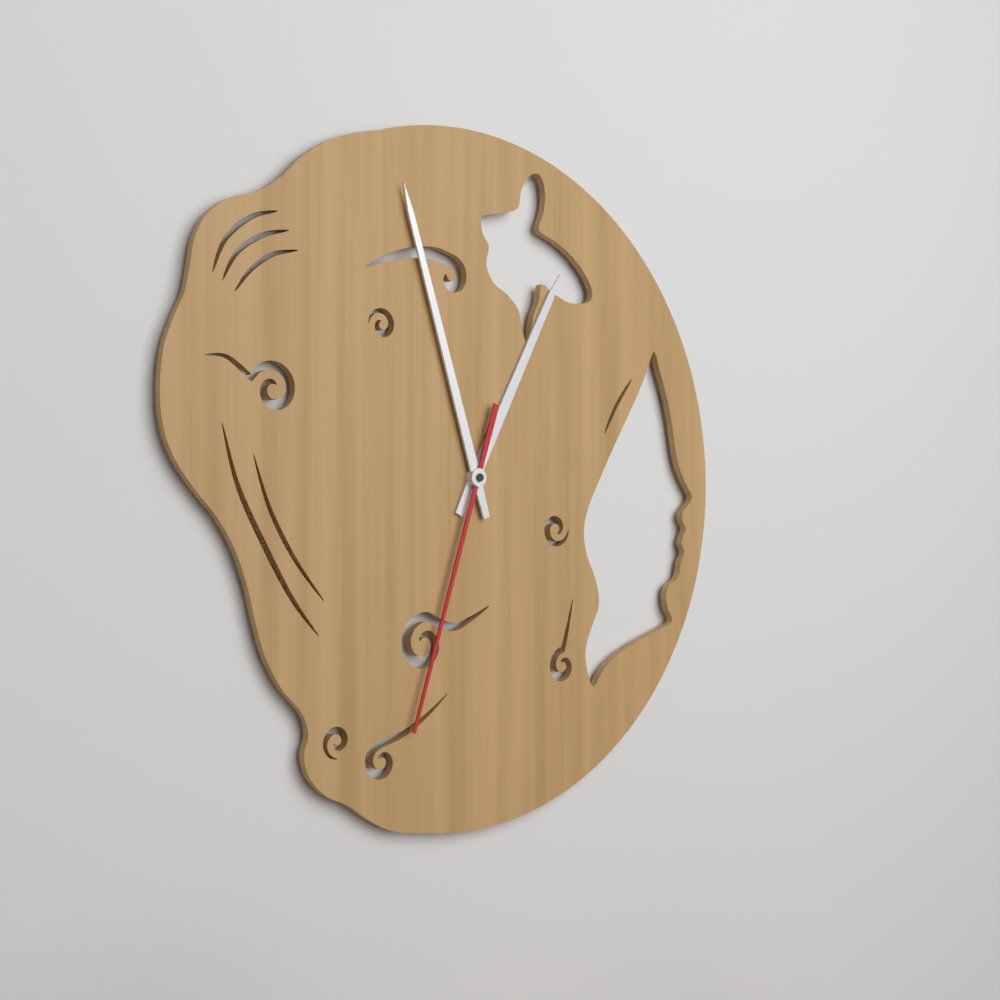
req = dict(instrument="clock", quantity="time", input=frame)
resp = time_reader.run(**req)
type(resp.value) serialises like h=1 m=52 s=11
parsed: h=12 m=57 s=33
